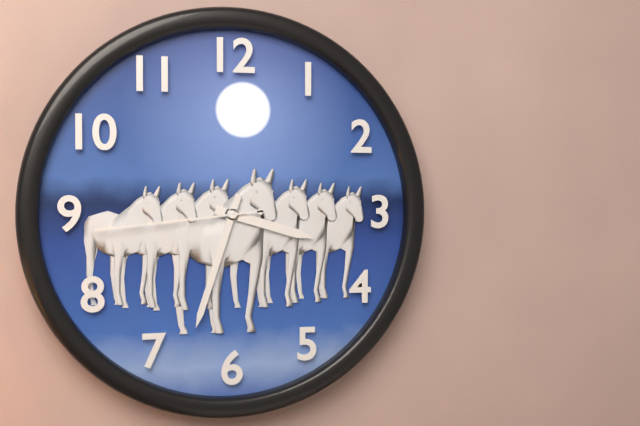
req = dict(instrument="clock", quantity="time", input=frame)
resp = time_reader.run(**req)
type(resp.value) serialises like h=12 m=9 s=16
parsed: h=3 m=33 s=44
